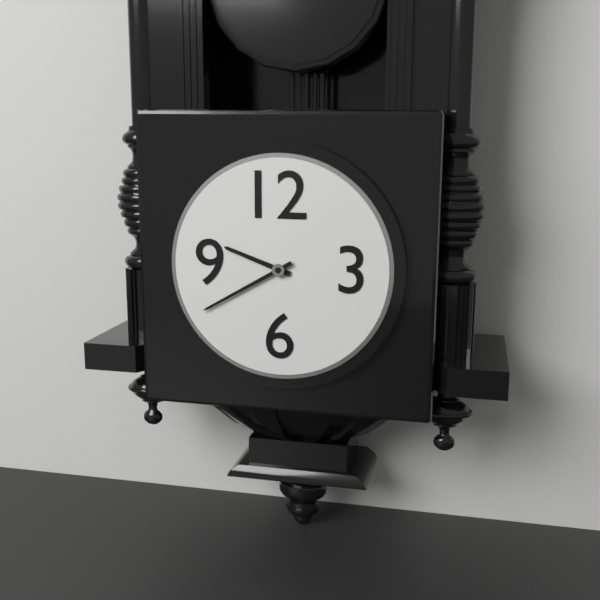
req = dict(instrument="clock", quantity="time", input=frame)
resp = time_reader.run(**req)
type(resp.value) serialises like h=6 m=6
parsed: h=9 m=40
